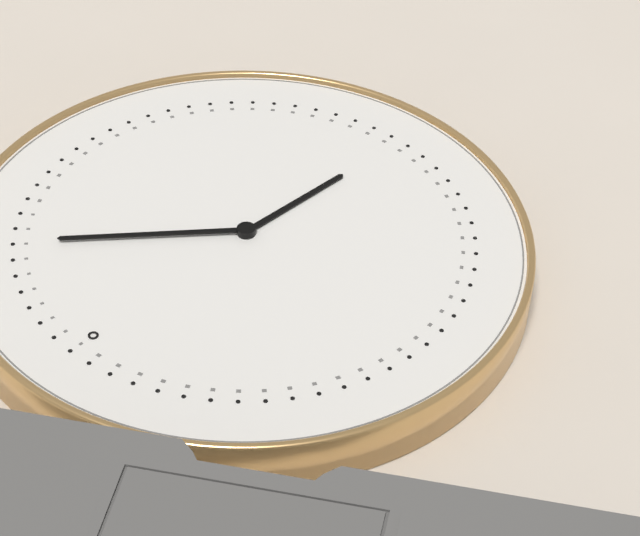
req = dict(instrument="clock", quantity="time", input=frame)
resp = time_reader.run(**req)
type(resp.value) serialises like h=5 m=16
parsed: h=6 m=7
